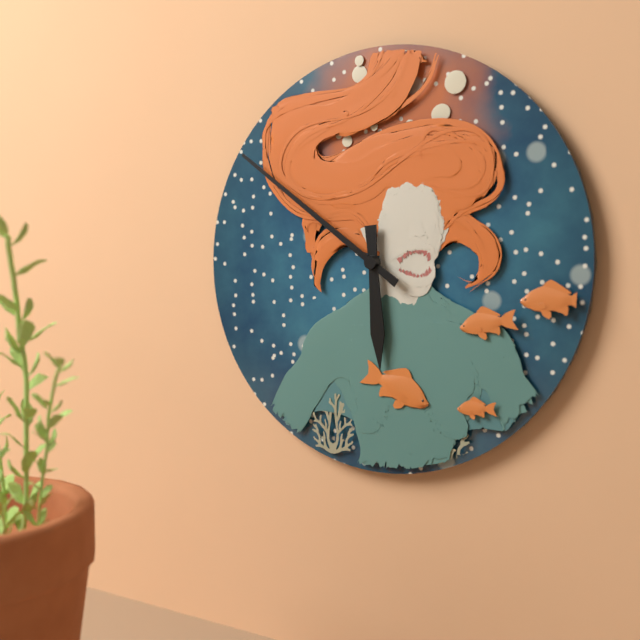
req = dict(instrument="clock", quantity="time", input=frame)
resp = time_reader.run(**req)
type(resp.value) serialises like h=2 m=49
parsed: h=5 m=51
